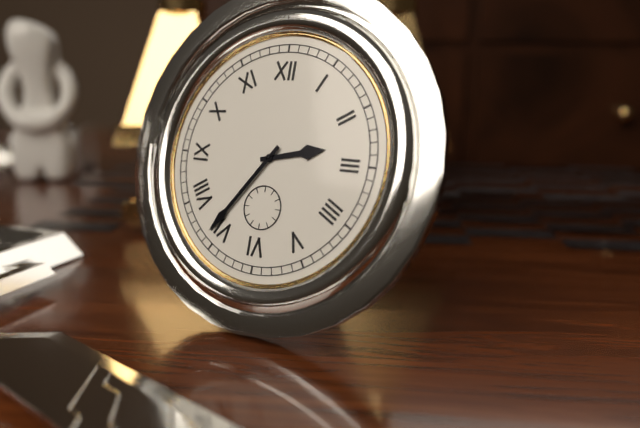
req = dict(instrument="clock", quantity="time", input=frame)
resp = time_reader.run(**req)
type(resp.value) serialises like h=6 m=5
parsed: h=2 m=36
